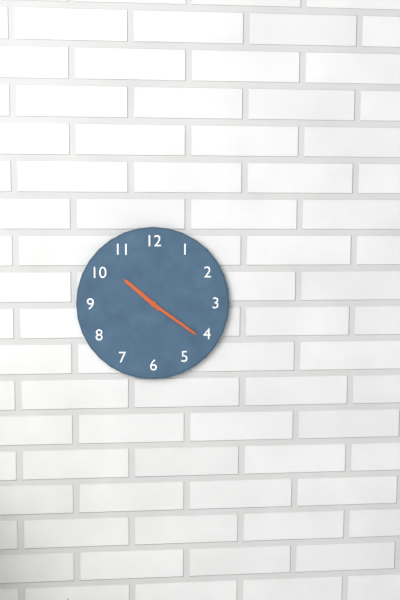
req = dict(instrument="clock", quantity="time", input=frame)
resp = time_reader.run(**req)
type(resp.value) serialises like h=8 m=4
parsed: h=10 m=21
